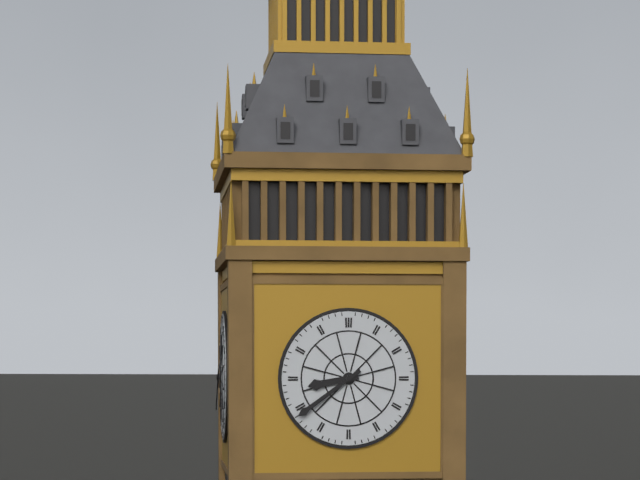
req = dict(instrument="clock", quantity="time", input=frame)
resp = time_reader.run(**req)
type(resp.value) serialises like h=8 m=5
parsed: h=8 m=39
